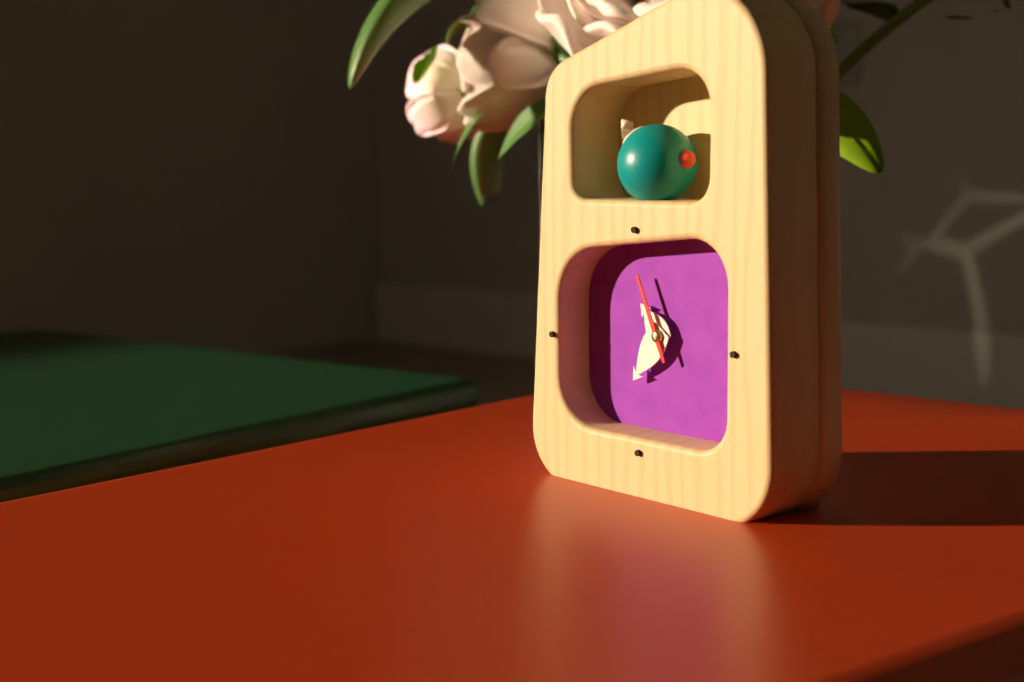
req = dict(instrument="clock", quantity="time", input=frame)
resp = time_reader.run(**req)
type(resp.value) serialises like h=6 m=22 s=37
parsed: h=10 m=36 s=56
